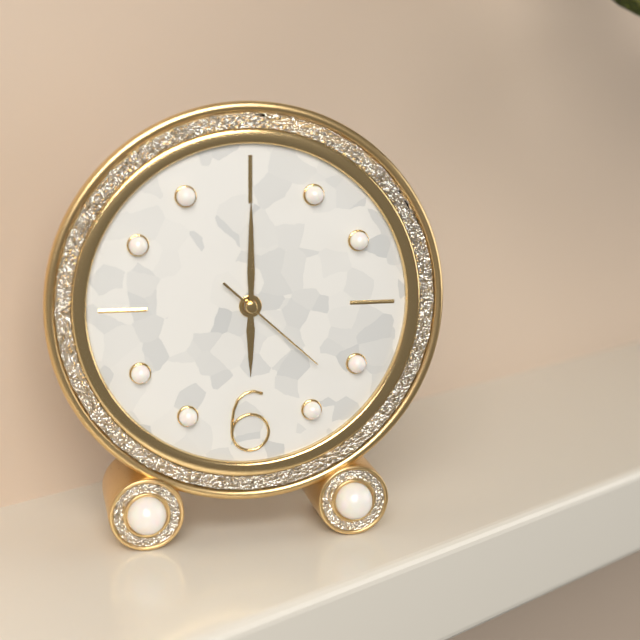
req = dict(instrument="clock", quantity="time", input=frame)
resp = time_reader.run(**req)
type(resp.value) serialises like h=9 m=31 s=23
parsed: h=6 m=0 s=22
